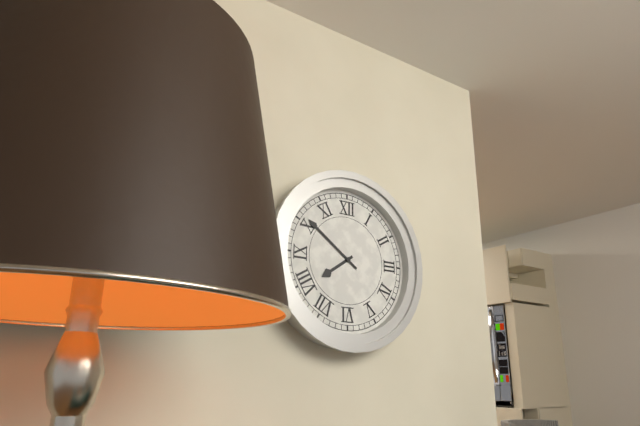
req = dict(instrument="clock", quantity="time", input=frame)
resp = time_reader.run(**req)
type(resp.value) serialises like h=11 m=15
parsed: h=7 m=51
